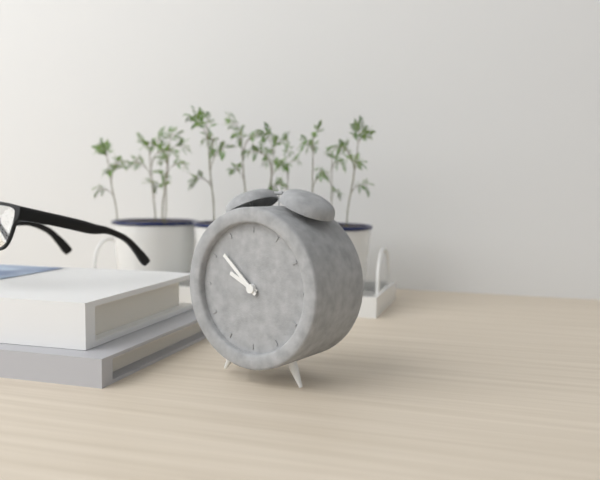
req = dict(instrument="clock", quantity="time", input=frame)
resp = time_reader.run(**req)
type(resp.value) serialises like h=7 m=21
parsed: h=9 m=52
